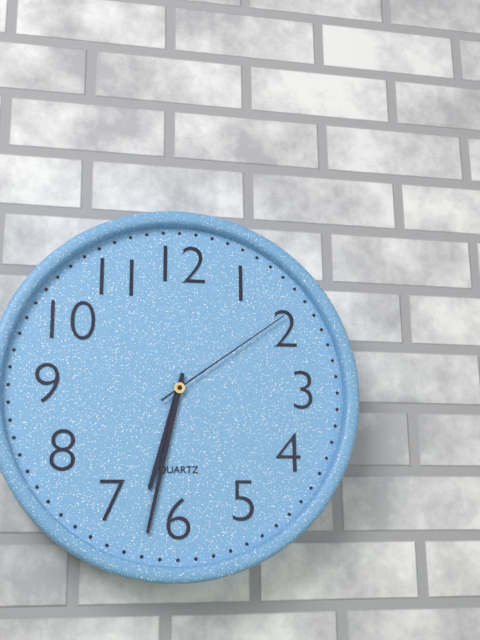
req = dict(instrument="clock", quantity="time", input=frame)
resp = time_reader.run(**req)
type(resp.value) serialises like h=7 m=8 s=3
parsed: h=6 m=32 s=9
